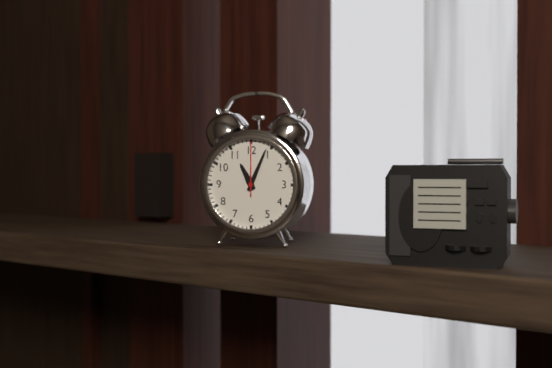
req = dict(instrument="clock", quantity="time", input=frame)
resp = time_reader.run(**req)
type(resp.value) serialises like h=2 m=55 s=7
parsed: h=11 m=4 s=0
